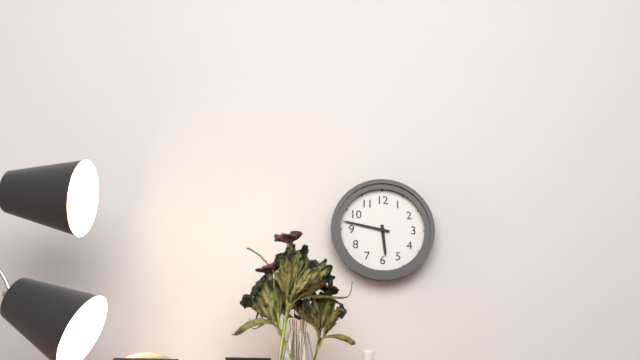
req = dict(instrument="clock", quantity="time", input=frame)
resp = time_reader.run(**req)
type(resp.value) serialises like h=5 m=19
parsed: h=5 m=47
